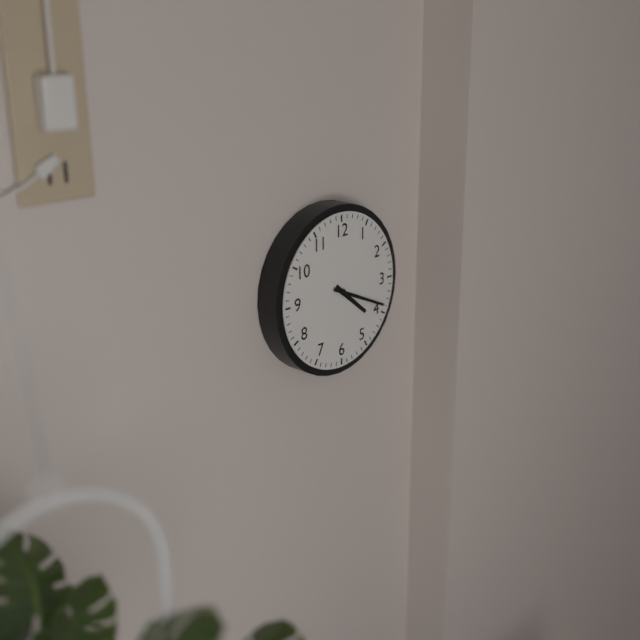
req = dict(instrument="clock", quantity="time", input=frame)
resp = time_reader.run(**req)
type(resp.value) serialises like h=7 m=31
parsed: h=4 m=19
